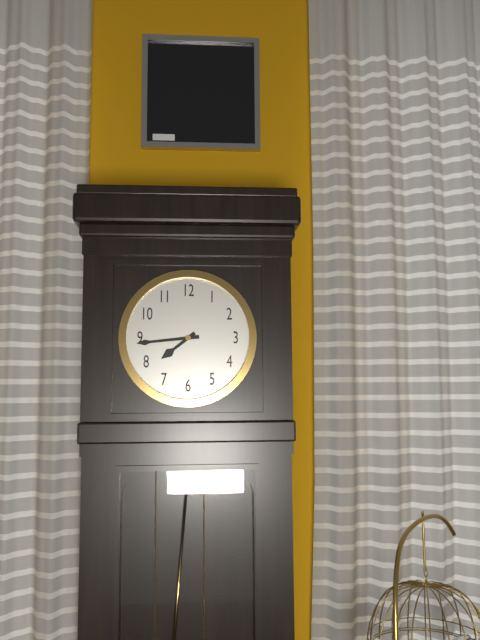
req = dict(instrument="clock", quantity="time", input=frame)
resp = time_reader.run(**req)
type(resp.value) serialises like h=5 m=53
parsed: h=7 m=44
